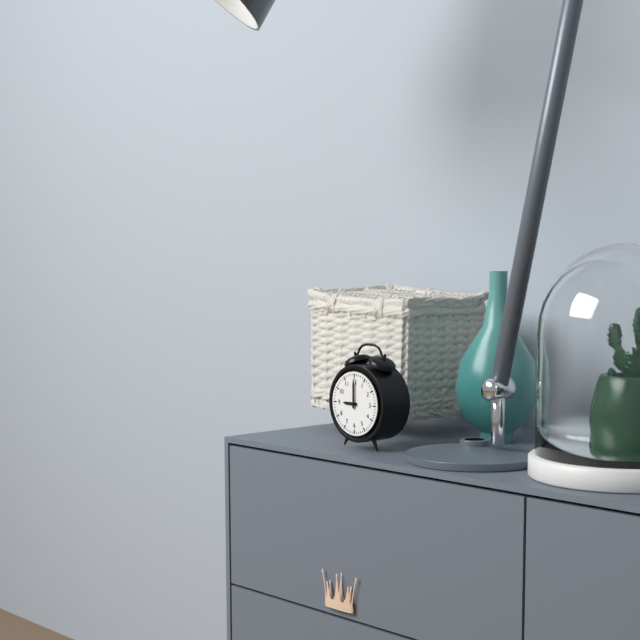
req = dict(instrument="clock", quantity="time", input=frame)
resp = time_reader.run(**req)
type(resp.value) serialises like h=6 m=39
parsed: h=9 m=0
